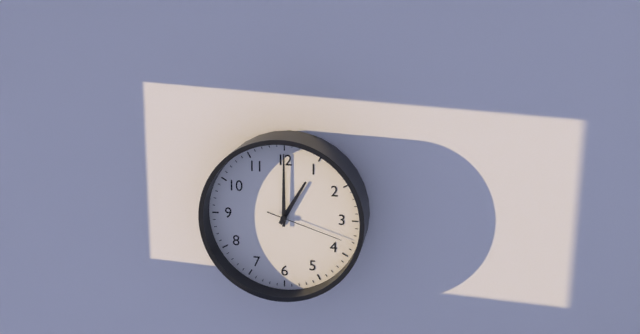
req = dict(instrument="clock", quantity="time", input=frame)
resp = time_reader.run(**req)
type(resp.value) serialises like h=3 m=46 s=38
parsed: h=1 m=0 s=18
